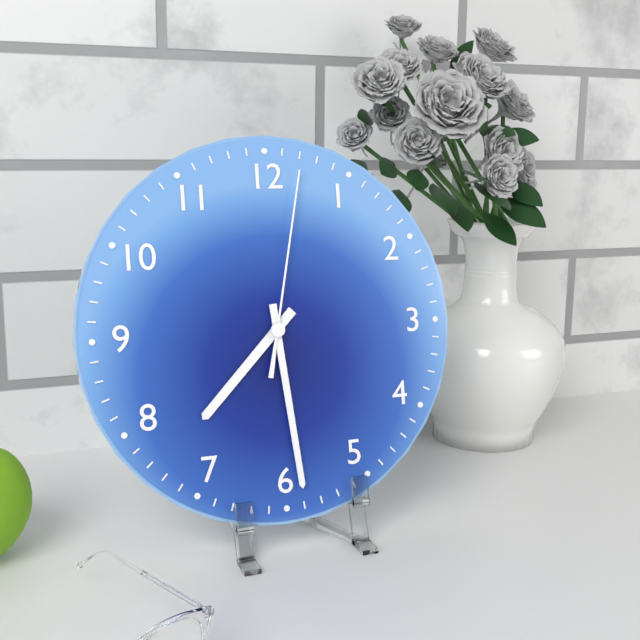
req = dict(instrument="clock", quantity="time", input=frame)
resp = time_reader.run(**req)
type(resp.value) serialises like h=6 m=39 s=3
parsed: h=7 m=29 s=2
